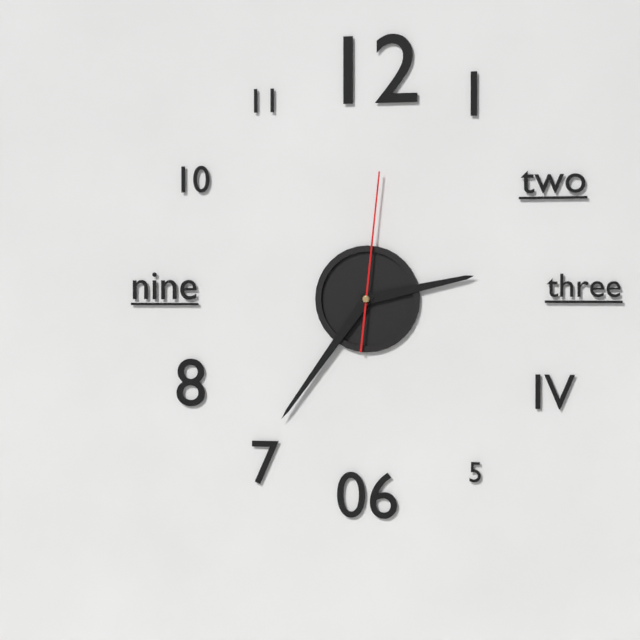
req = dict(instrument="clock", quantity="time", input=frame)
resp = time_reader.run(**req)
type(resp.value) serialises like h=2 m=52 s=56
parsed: h=2 m=36 s=1
